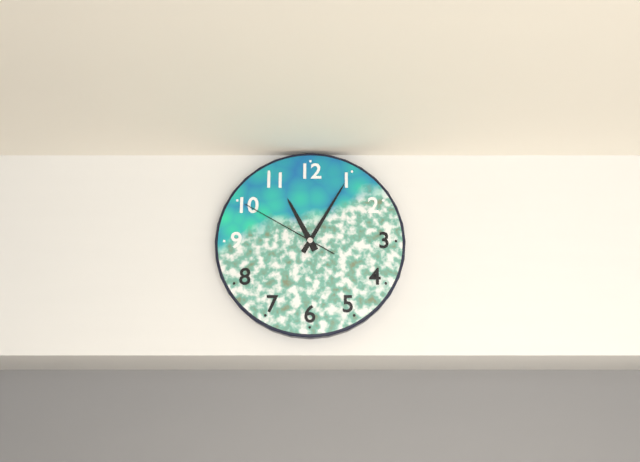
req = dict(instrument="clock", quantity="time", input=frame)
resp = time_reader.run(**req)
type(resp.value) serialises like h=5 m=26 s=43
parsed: h=11 m=5 s=50
